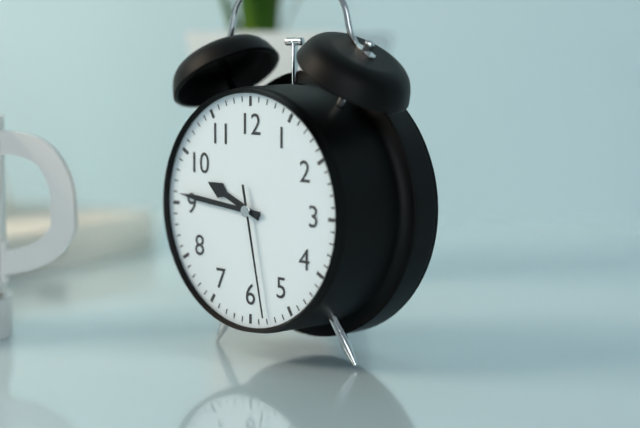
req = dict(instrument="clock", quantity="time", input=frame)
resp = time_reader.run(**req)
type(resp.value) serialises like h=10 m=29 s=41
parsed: h=9 m=46 s=28
